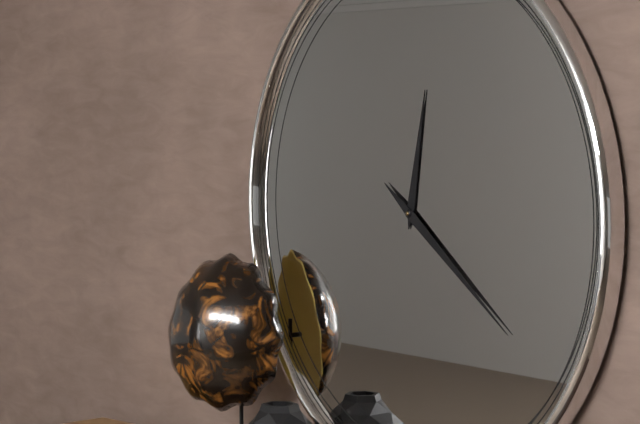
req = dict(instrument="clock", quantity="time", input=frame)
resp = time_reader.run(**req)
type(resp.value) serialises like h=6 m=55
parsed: h=12 m=21
